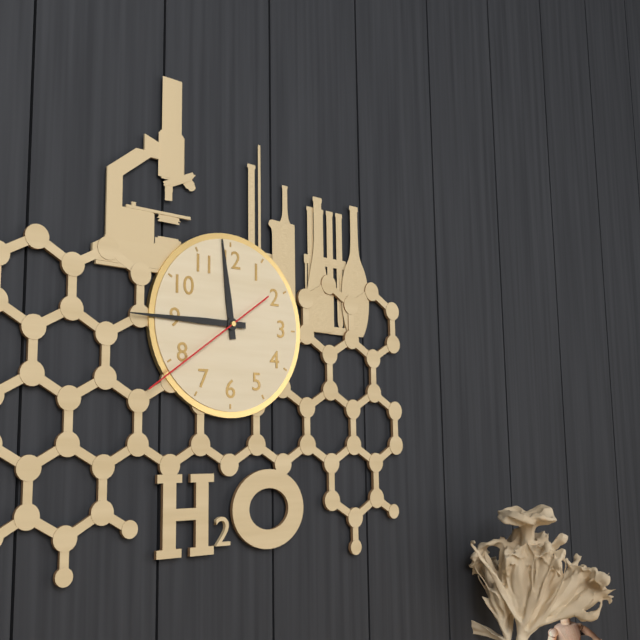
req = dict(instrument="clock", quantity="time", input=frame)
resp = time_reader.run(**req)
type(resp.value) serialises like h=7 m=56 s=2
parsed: h=11 m=45 s=39
